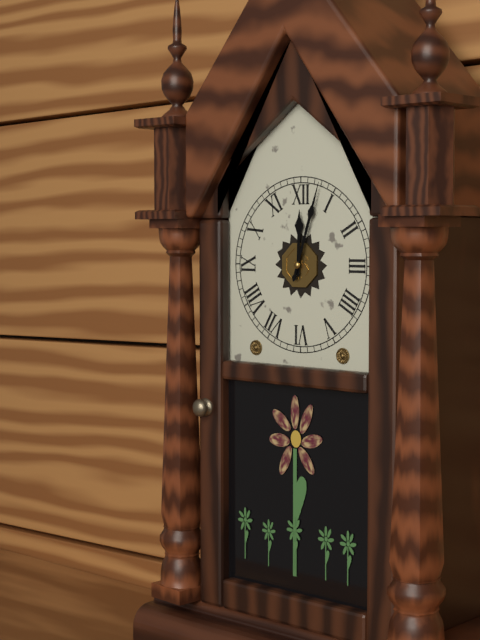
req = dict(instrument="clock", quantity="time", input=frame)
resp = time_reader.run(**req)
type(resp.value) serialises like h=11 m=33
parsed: h=12 m=3
